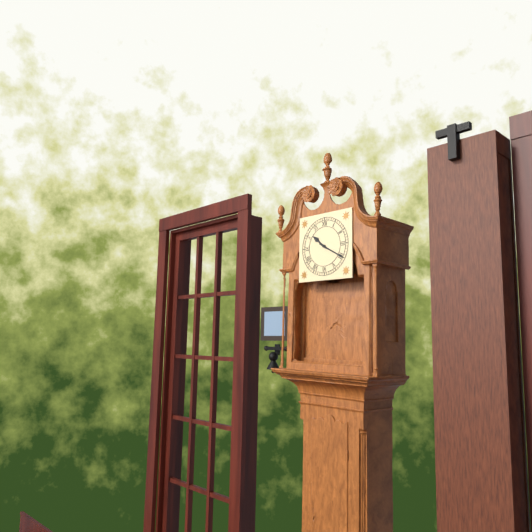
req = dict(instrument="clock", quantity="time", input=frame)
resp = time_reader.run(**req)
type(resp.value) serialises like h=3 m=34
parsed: h=10 m=20
